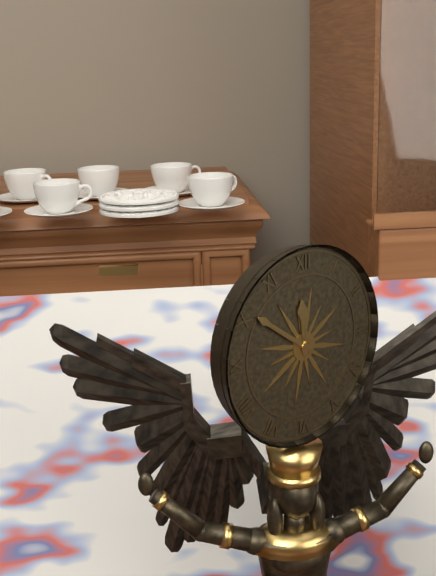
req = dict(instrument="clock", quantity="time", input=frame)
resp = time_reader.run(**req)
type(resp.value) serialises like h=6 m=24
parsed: h=11 m=51
